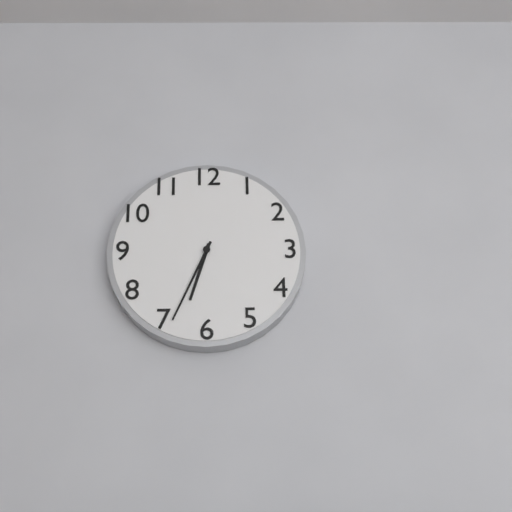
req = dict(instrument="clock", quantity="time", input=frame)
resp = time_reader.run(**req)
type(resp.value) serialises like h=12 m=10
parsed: h=6 m=34
